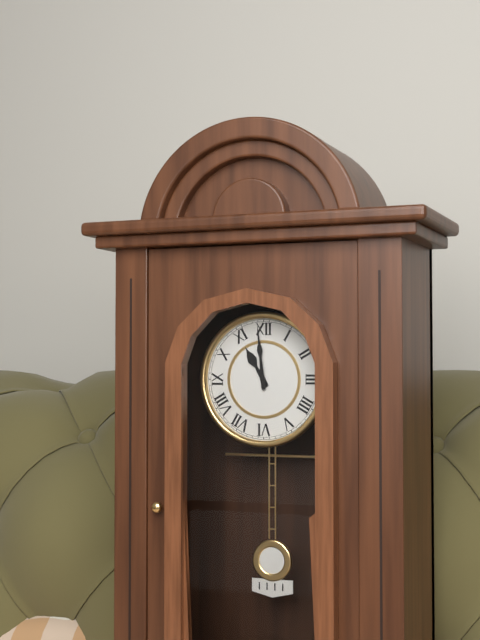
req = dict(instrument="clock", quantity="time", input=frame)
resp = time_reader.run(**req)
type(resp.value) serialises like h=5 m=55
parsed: h=10 m=59
